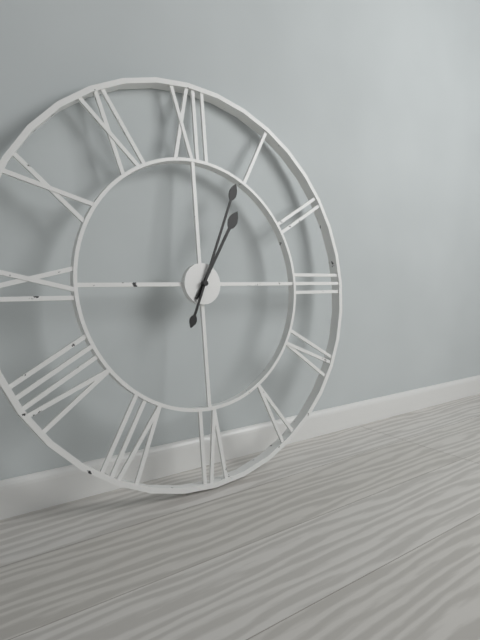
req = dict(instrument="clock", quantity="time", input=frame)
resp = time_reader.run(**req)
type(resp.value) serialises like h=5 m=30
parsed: h=1 m=4
